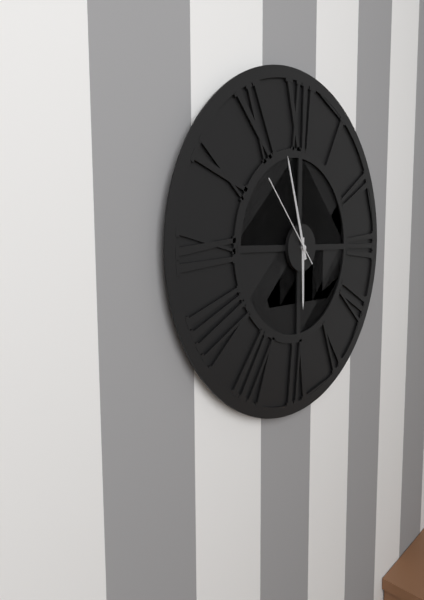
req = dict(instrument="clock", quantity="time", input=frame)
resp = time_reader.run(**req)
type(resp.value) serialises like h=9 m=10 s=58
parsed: h=5 m=57 s=53
